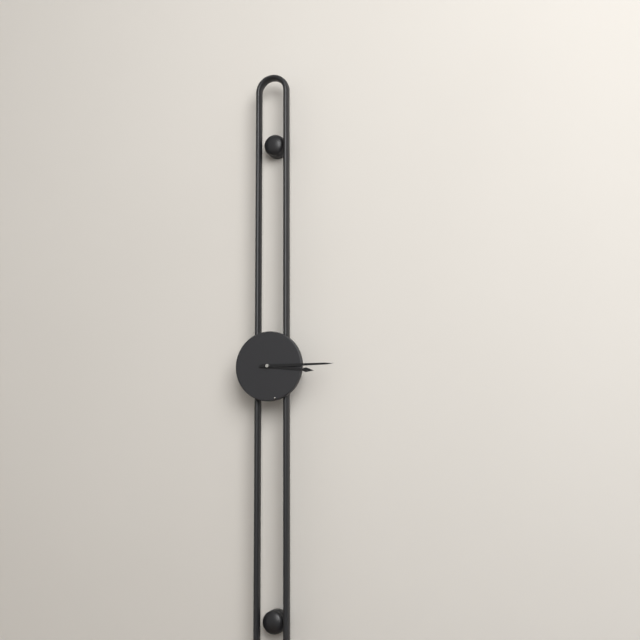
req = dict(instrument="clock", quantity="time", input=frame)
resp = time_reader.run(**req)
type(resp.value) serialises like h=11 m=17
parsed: h=3 m=15
